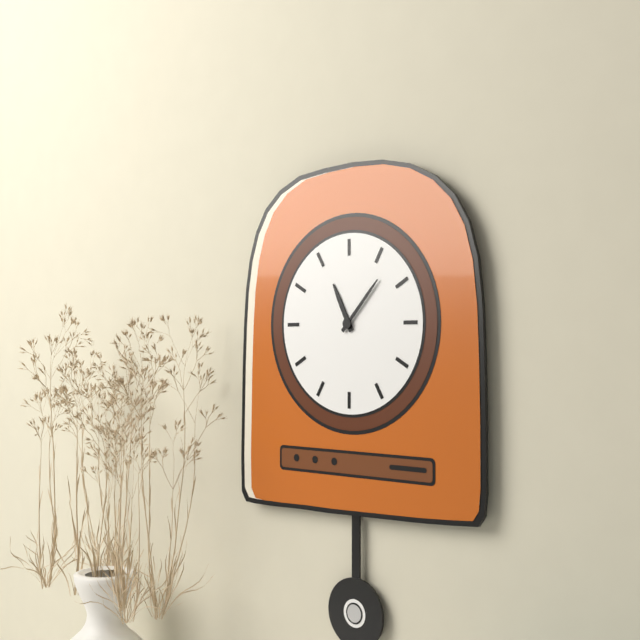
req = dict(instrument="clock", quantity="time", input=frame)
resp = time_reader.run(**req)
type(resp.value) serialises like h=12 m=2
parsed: h=11 m=7
